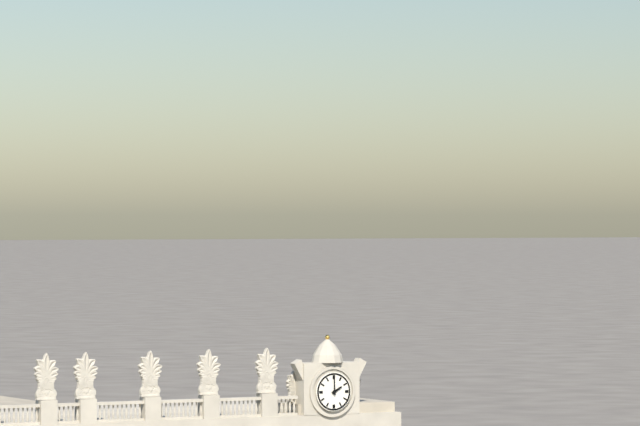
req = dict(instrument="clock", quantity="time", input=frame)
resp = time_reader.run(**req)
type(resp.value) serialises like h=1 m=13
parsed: h=2 m=0
